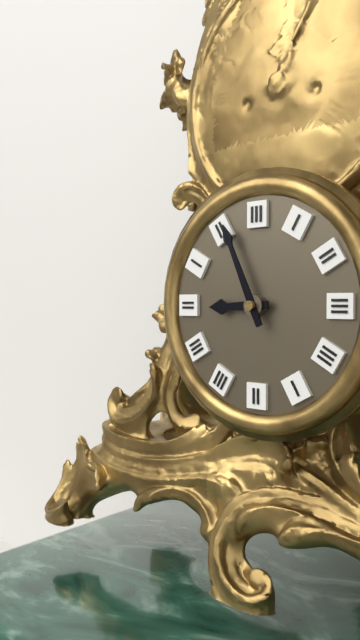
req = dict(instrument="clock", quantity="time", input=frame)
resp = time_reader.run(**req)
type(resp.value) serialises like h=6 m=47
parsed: h=8 m=56
